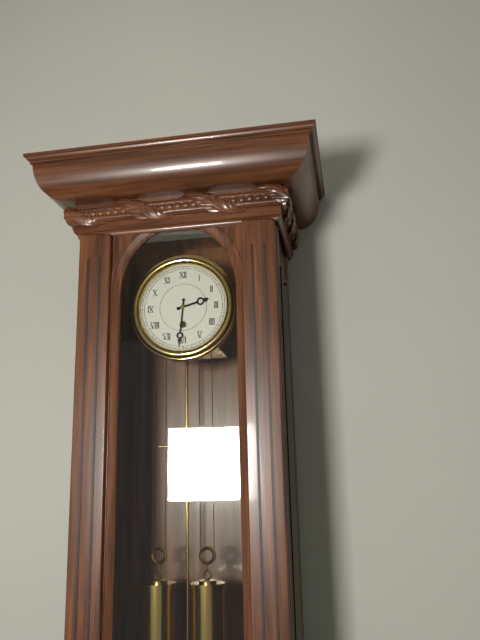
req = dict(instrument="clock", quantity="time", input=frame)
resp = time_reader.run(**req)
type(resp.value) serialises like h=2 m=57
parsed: h=2 m=31
